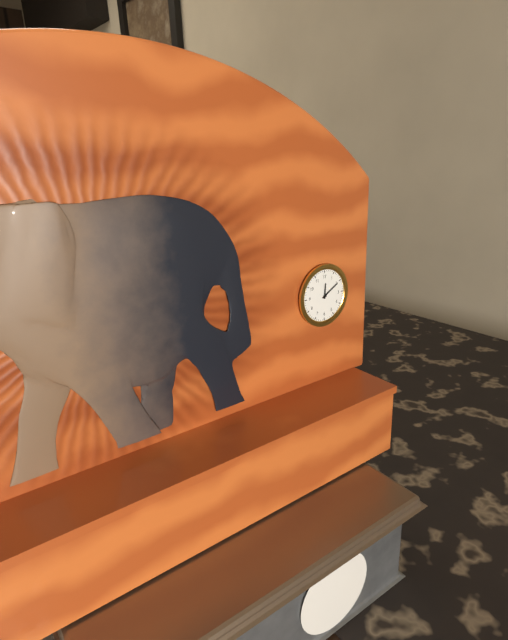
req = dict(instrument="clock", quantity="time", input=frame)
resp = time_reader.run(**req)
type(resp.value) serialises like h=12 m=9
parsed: h=12 m=10
